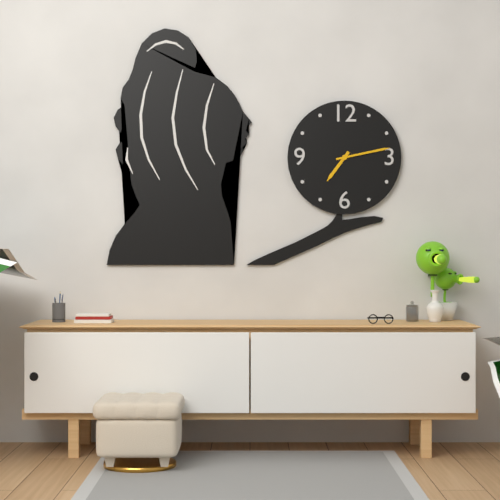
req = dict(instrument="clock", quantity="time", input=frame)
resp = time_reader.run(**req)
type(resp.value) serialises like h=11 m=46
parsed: h=7 m=13
